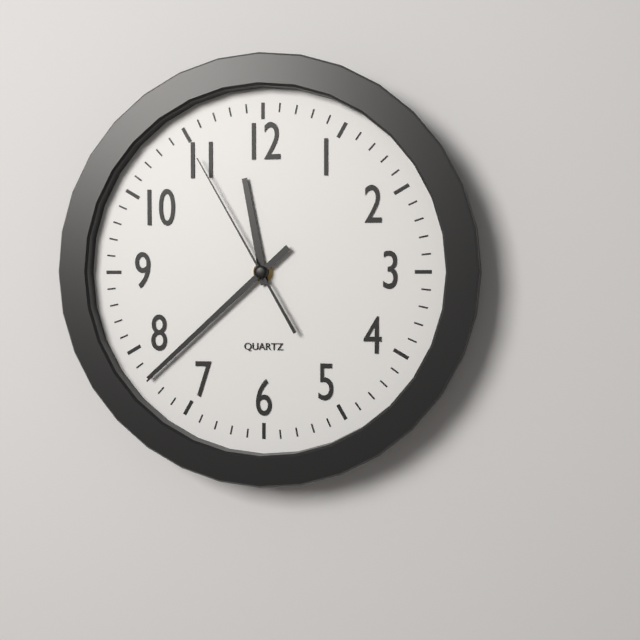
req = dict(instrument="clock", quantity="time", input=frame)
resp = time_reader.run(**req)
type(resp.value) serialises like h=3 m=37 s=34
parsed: h=11 m=38 s=55
